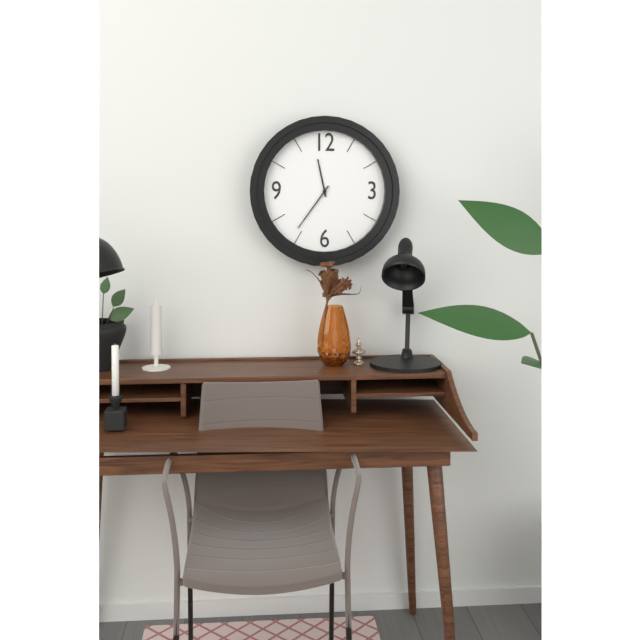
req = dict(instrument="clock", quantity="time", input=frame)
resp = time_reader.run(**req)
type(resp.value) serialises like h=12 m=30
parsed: h=11 m=36
